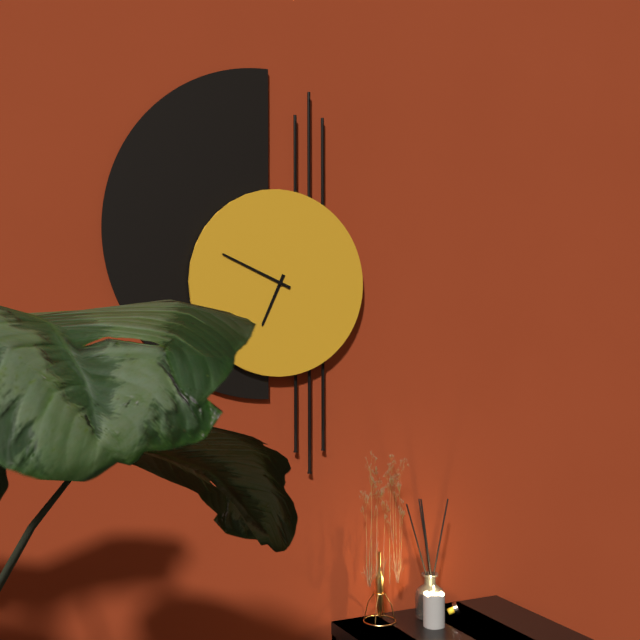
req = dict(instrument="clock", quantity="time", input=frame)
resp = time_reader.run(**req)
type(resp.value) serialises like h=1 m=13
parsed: h=6 m=49
